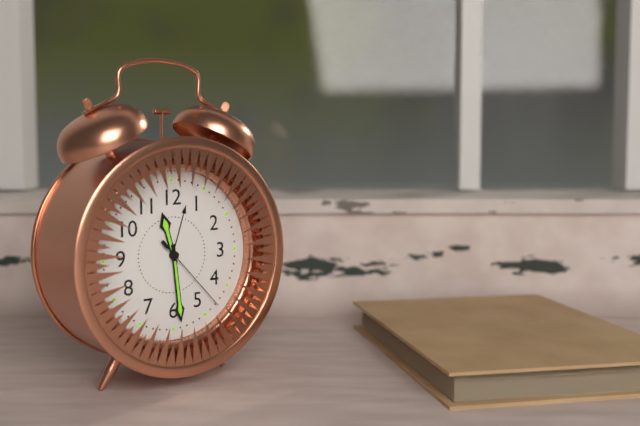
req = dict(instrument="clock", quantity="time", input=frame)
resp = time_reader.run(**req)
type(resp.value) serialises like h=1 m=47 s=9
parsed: h=11 m=29 s=23
